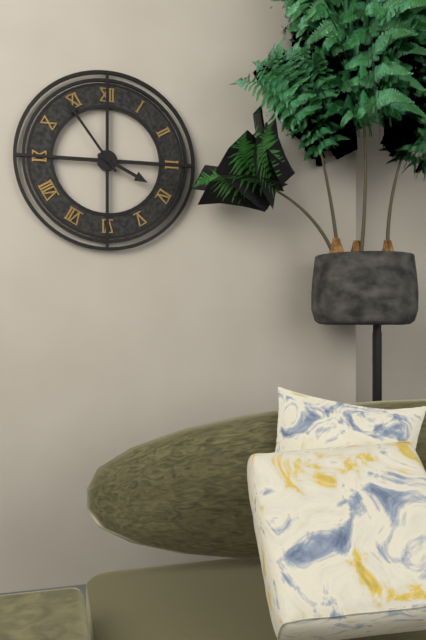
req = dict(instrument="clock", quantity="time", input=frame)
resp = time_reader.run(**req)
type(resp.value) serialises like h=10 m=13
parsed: h=3 m=54
